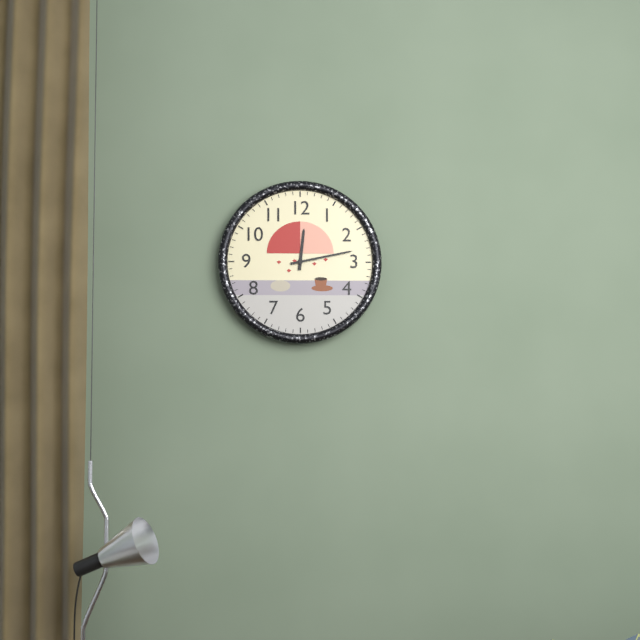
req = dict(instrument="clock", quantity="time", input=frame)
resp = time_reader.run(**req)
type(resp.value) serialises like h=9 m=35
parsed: h=12 m=13
